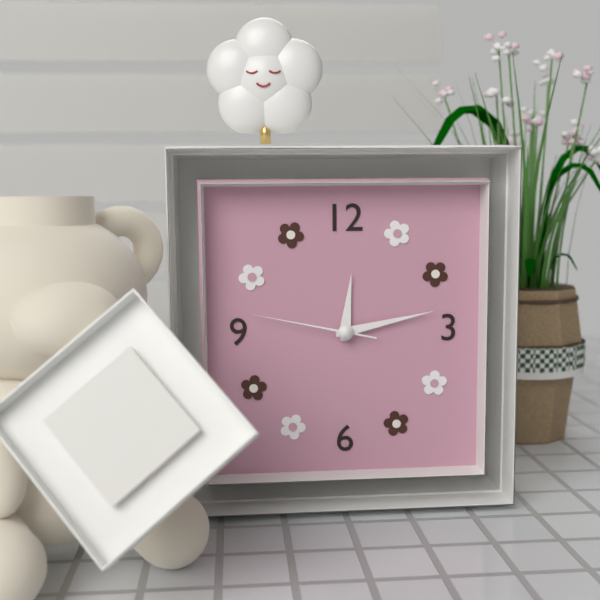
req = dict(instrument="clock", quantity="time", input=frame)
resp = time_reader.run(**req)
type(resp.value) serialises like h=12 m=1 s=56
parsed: h=12 m=13 s=47
